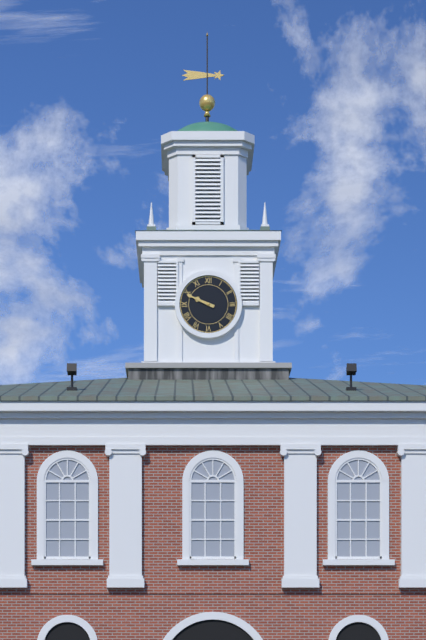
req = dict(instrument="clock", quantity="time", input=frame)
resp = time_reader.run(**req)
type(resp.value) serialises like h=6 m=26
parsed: h=9 m=49
